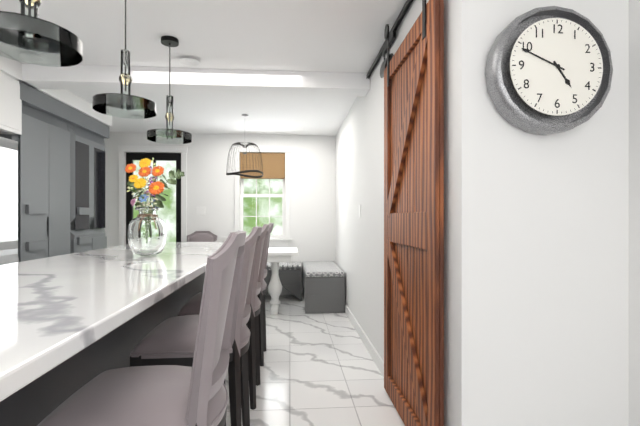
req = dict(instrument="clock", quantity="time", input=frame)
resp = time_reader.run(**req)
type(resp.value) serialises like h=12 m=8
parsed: h=4 m=49
